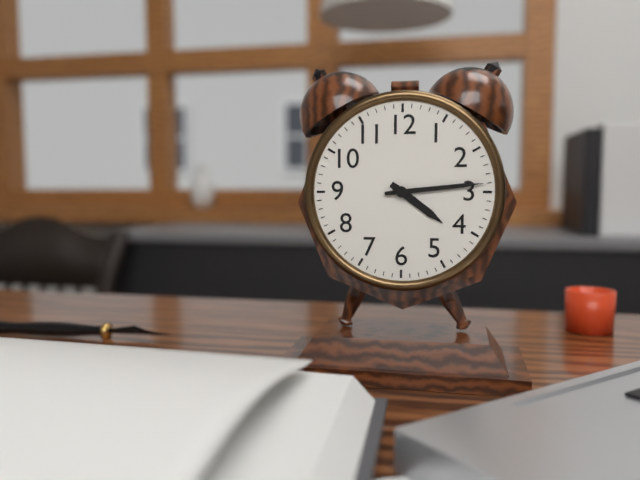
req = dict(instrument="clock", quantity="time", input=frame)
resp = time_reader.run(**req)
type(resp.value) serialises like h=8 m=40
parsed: h=4 m=14
